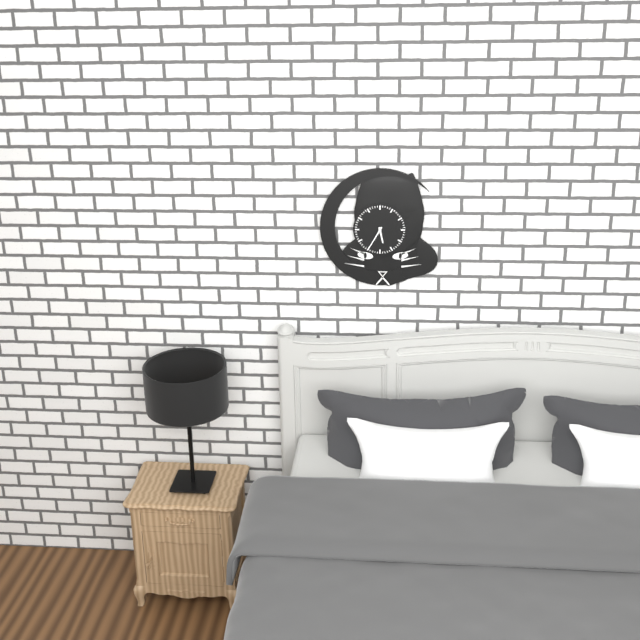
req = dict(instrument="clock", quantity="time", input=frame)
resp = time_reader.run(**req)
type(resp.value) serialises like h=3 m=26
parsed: h=5 m=35
